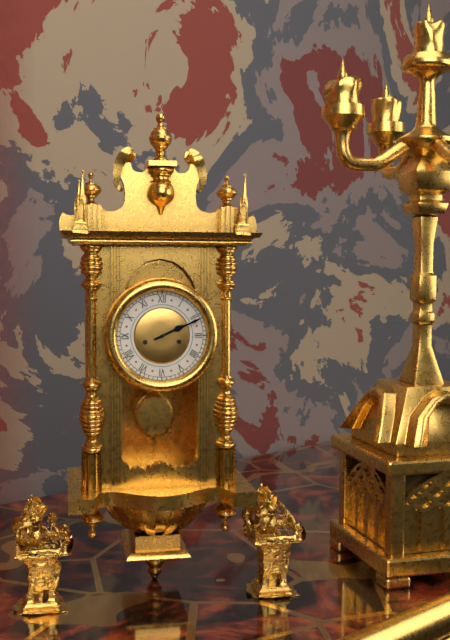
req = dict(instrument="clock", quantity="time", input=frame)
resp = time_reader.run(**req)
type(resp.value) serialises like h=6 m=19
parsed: h=2 m=11
